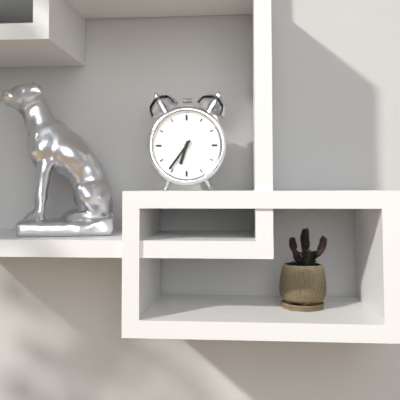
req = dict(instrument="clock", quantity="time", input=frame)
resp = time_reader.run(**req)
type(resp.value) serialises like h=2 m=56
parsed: h=6 m=36
